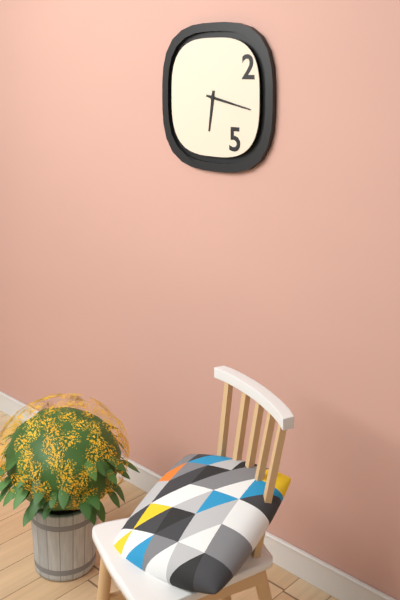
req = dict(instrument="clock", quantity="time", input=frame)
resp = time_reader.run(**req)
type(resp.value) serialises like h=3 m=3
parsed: h=6 m=17
